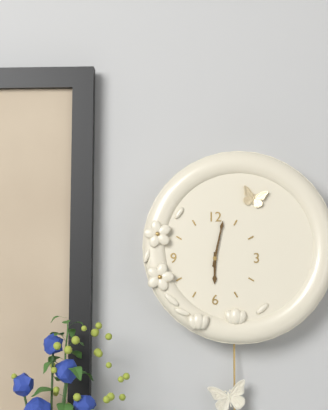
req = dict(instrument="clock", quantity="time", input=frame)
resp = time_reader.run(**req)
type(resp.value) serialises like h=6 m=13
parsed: h=6 m=2
